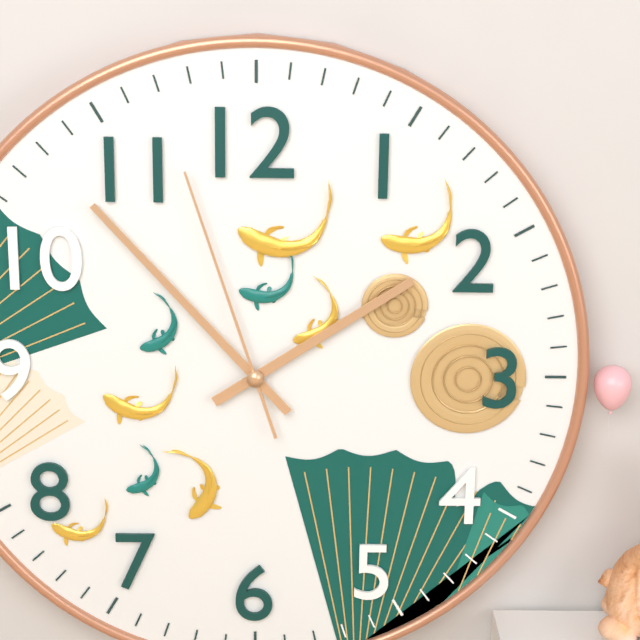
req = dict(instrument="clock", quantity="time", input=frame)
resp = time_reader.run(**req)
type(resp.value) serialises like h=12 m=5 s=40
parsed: h=1 m=53 s=57
